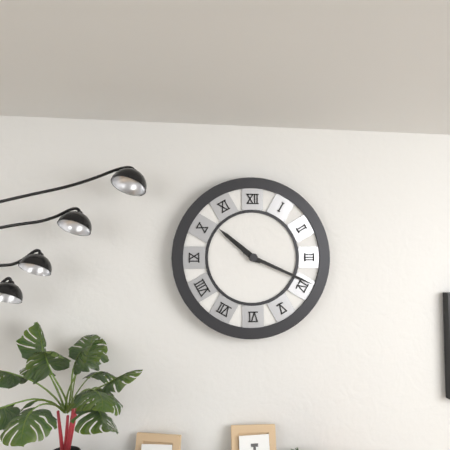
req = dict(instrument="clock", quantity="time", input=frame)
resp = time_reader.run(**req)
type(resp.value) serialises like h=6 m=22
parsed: h=10 m=19
